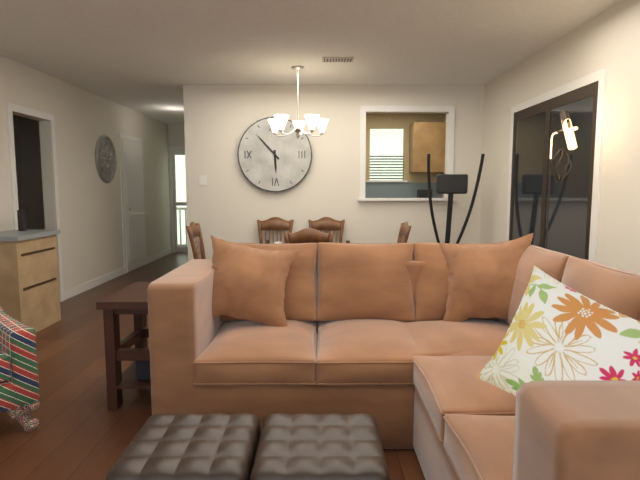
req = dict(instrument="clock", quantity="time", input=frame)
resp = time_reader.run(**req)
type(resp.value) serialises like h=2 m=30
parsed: h=5 m=53
